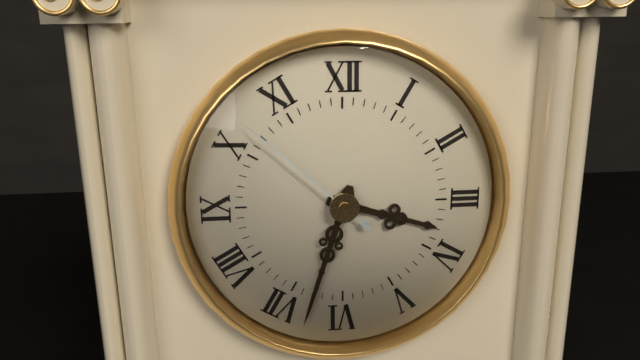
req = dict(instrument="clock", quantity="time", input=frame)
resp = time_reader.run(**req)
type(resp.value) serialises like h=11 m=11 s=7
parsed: h=3 m=33 s=52
